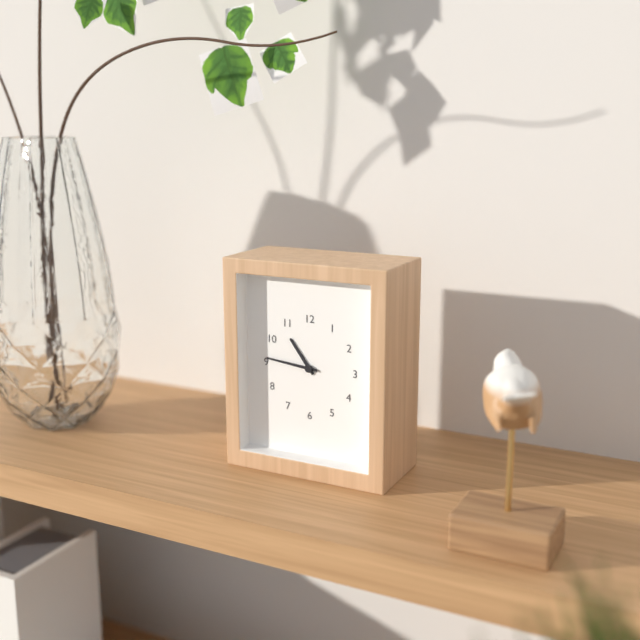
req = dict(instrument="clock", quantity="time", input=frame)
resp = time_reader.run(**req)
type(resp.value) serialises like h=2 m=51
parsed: h=10 m=46
